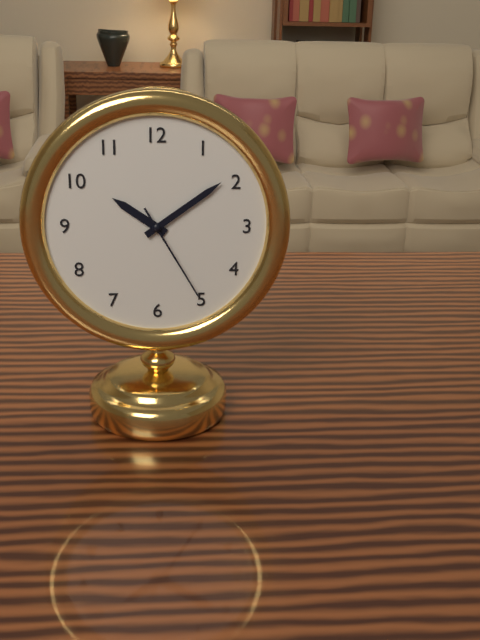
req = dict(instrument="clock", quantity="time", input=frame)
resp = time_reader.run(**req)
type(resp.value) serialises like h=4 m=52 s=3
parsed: h=10 m=9 s=25
